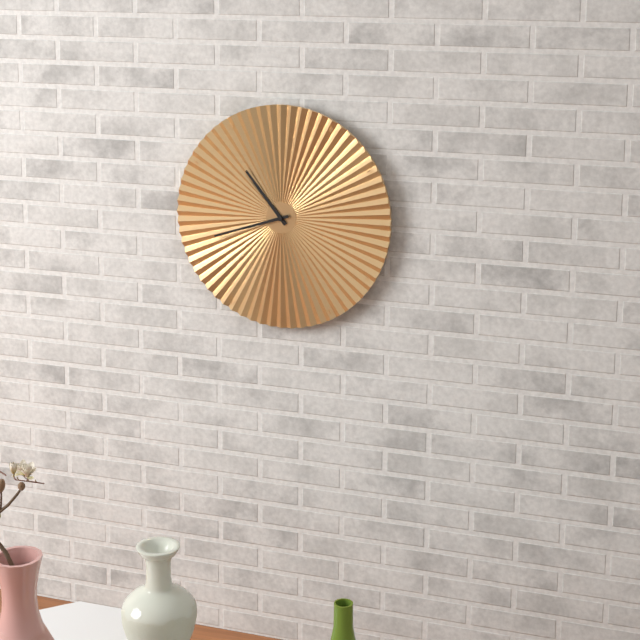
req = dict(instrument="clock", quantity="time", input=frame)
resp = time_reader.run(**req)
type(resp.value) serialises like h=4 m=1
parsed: h=10 m=42
